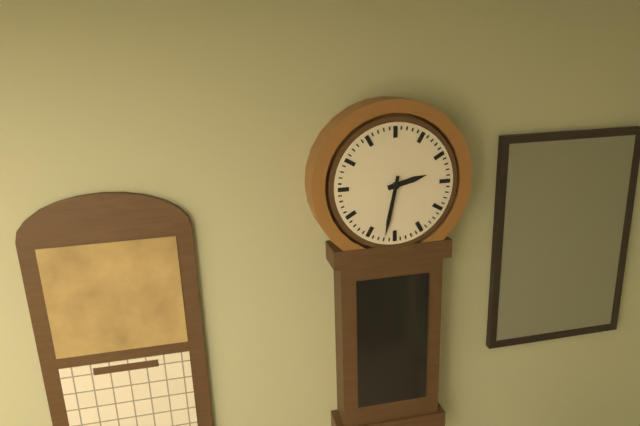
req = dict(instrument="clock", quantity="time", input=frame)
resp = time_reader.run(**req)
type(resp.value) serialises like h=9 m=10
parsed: h=2 m=32
